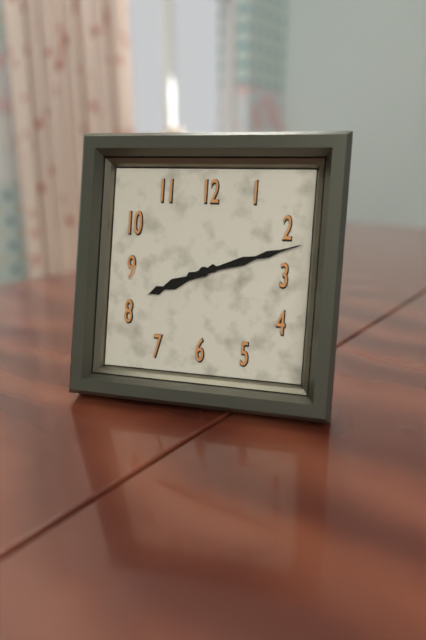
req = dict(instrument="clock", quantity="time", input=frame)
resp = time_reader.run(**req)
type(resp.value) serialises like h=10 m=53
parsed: h=8 m=12
